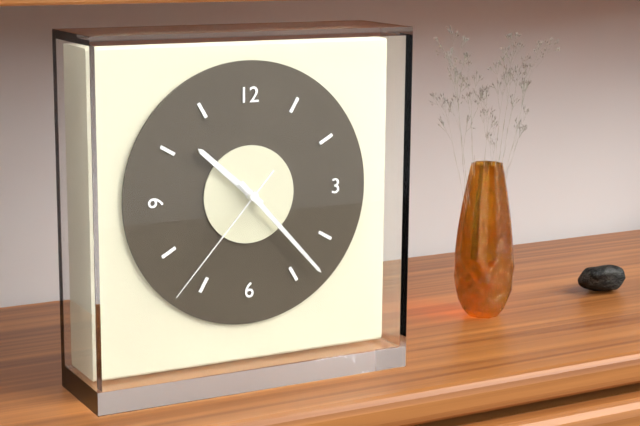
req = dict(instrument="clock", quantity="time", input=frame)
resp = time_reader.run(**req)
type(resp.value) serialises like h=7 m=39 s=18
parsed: h=10 m=23 s=37
